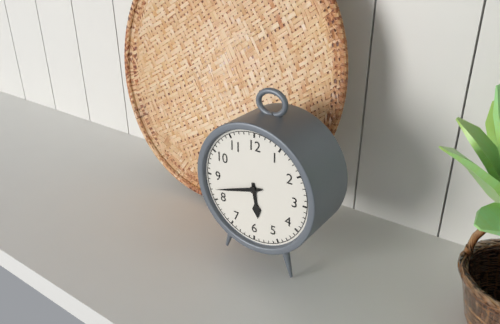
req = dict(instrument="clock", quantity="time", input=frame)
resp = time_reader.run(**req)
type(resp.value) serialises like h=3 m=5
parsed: h=5 m=42
